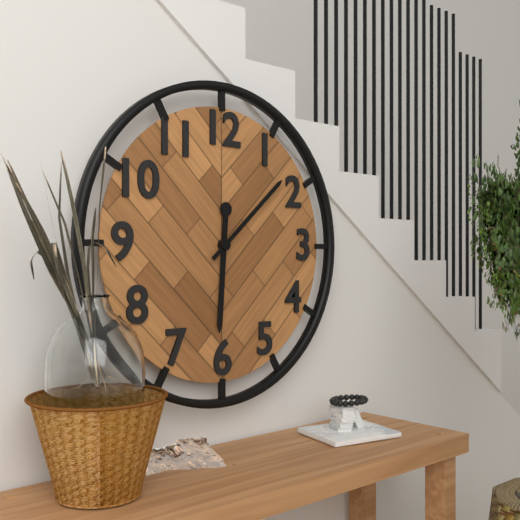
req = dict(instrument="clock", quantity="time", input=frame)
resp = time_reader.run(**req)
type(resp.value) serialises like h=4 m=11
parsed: h=6 m=8
